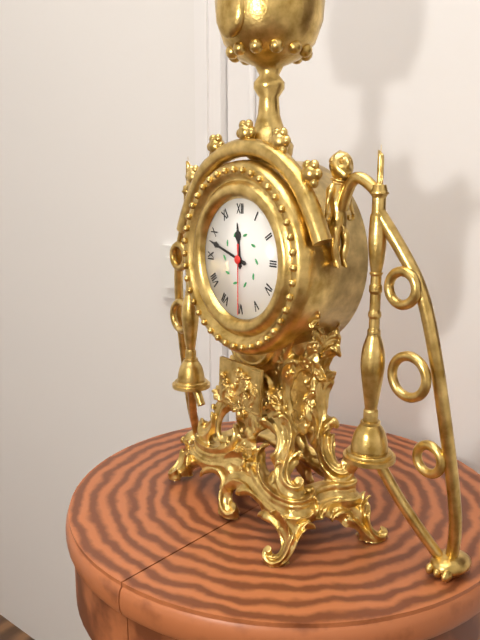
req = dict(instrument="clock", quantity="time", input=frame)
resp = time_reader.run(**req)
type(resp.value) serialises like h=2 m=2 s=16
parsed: h=11 m=48 s=30
